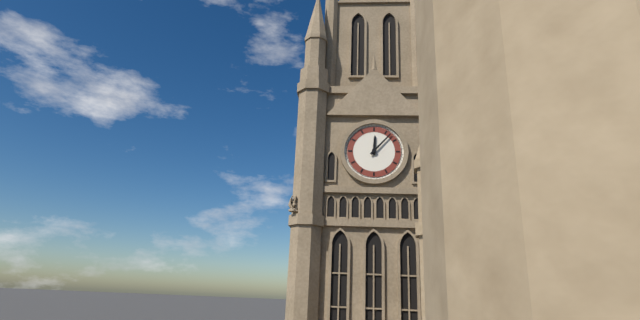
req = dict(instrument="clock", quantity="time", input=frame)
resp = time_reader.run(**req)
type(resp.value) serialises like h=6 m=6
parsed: h=12 m=7
